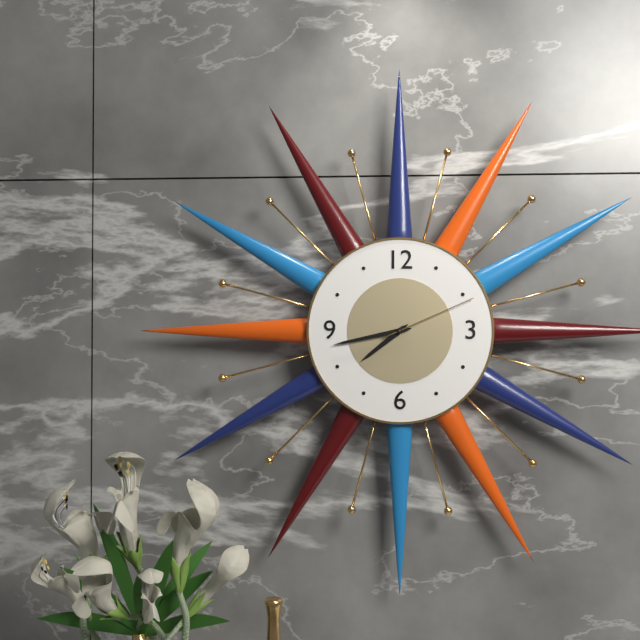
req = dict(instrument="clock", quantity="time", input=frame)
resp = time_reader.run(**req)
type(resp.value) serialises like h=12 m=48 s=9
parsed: h=7 m=43 s=11
